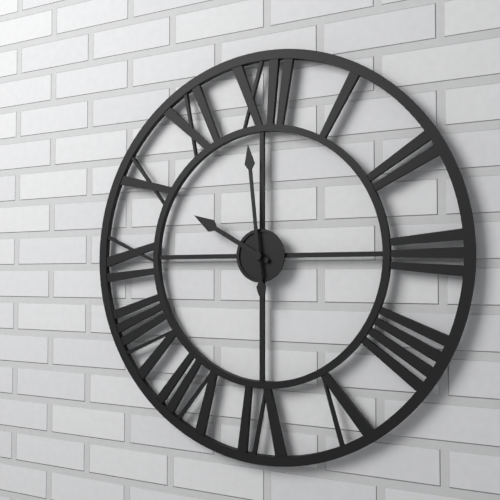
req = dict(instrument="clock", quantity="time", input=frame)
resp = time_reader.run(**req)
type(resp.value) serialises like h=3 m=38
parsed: h=9 m=59
